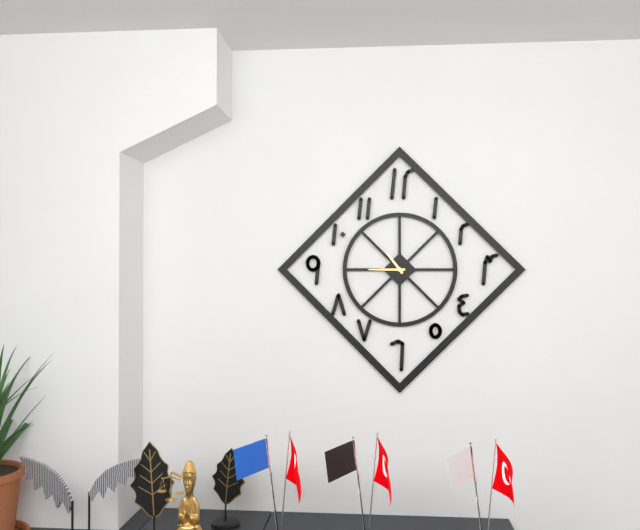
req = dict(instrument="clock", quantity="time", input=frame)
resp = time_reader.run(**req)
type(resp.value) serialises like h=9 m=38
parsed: h=10 m=45
